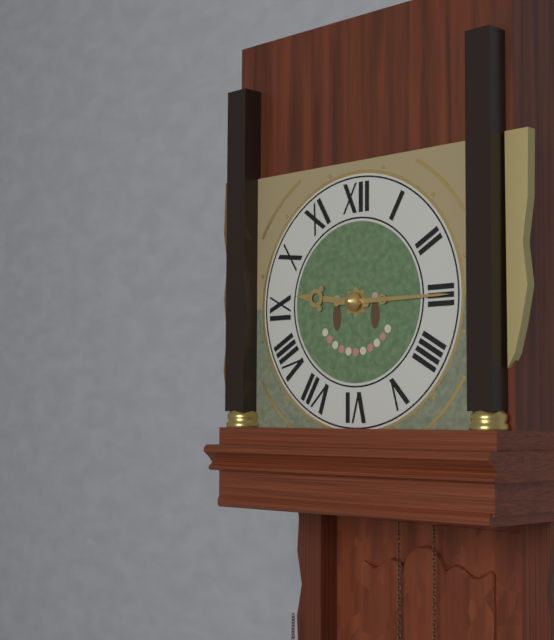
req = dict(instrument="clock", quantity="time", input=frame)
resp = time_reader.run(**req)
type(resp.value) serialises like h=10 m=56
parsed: h=9 m=15
